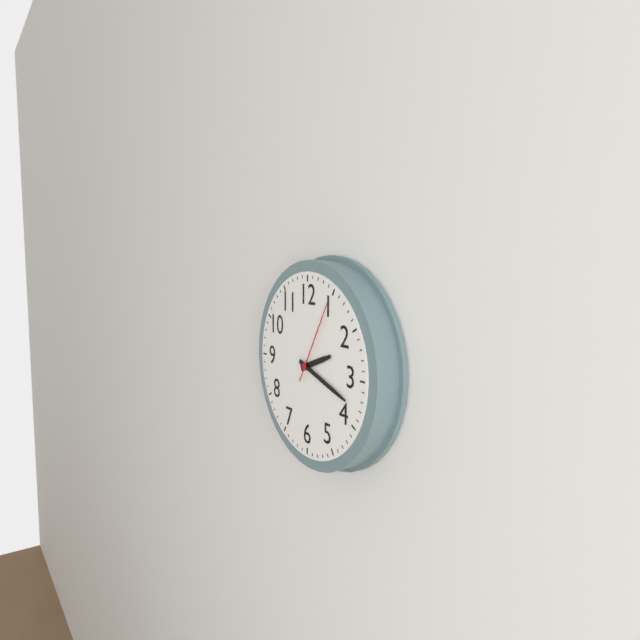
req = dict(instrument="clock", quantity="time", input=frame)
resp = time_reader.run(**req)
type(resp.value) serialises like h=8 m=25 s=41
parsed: h=2 m=18 s=5
